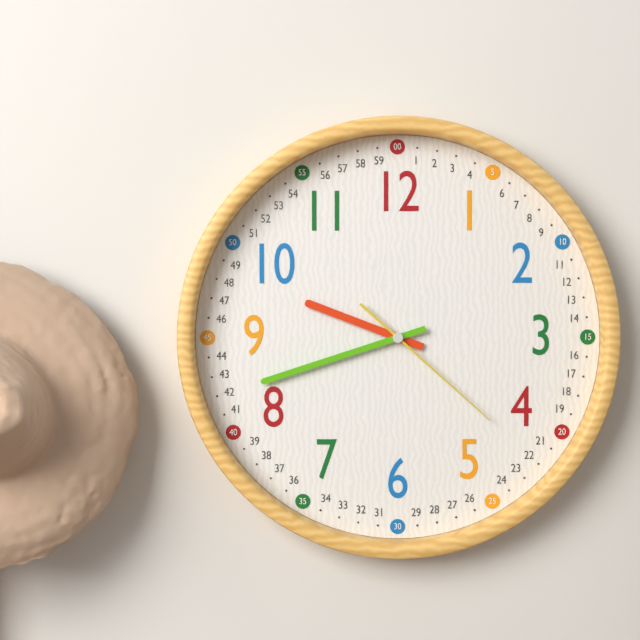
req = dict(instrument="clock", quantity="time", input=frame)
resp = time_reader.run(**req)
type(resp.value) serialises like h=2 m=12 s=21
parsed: h=9 m=42 s=22
